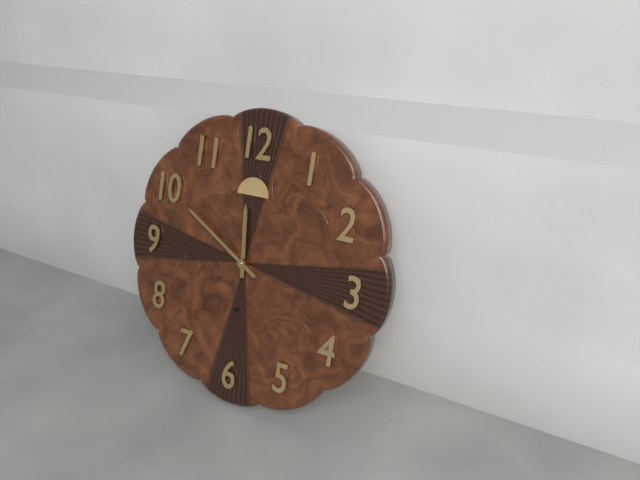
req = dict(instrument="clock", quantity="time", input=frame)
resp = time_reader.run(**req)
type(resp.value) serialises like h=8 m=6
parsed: h=11 m=50
